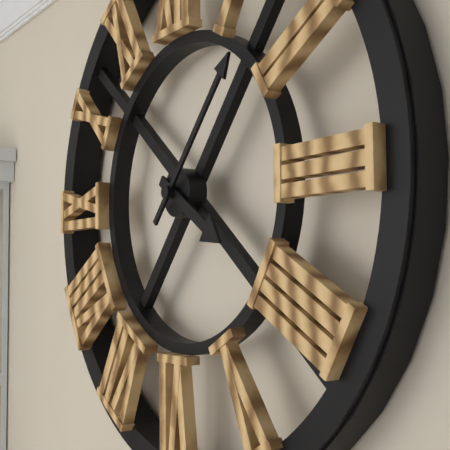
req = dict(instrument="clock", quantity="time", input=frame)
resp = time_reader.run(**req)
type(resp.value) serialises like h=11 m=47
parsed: h=4 m=7
